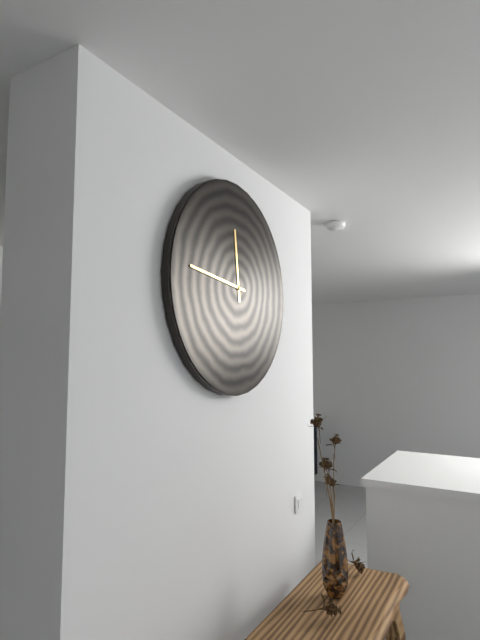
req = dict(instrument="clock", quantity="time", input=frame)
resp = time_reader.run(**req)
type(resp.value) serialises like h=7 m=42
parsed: h=11 m=46
